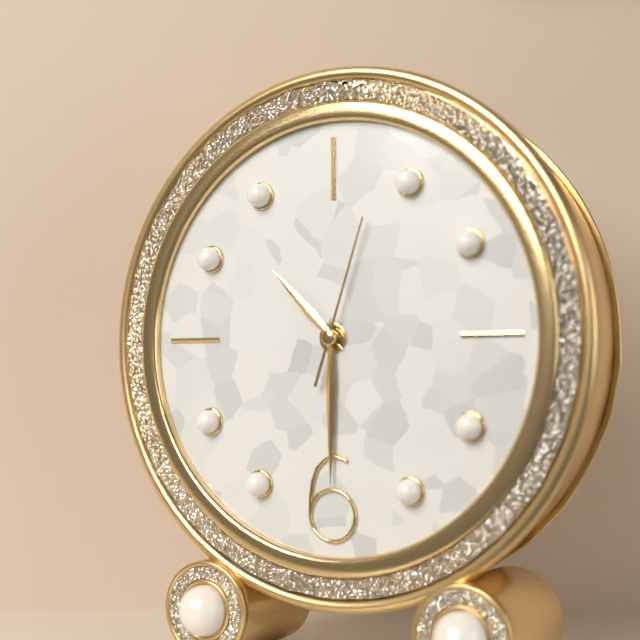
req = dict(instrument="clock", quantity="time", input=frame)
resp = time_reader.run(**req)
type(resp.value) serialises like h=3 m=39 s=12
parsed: h=10 m=30 s=3
